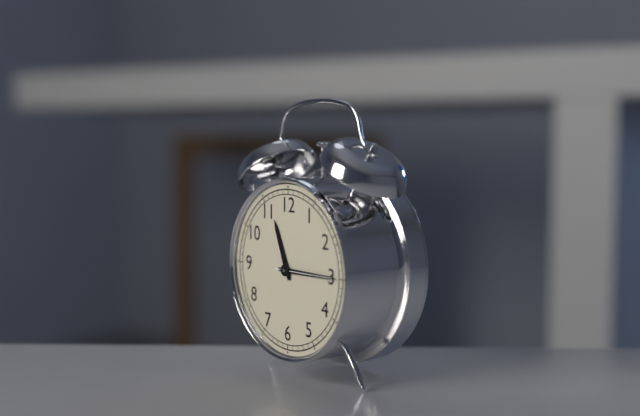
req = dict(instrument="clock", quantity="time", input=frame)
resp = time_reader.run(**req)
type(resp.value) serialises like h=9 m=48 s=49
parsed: h=11 m=15 s=15
